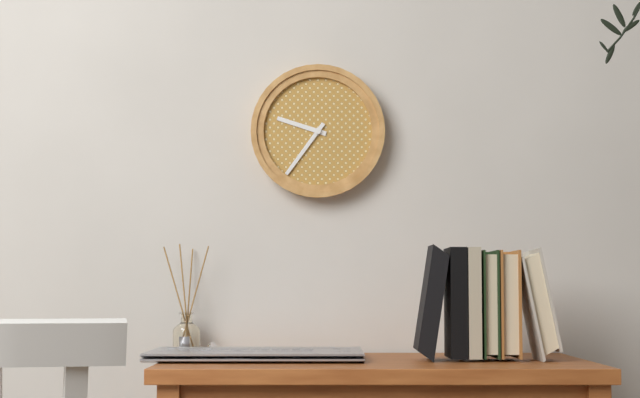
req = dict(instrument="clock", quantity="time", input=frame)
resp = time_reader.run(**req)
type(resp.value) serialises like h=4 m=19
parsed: h=9 m=36
